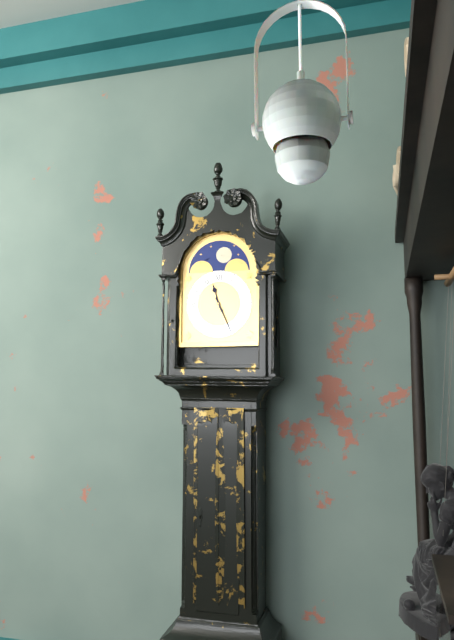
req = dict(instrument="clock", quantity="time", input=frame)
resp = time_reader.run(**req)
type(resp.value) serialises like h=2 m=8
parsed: h=11 m=26
